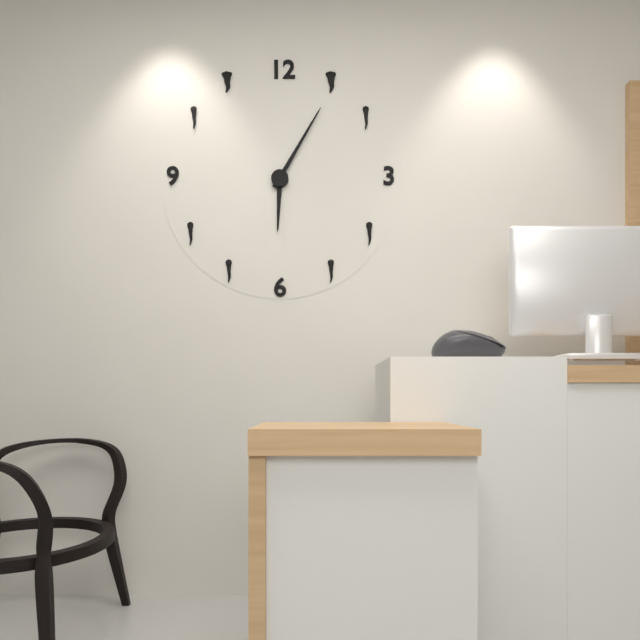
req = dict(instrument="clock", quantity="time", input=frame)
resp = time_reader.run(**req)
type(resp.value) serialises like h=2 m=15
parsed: h=6 m=5
